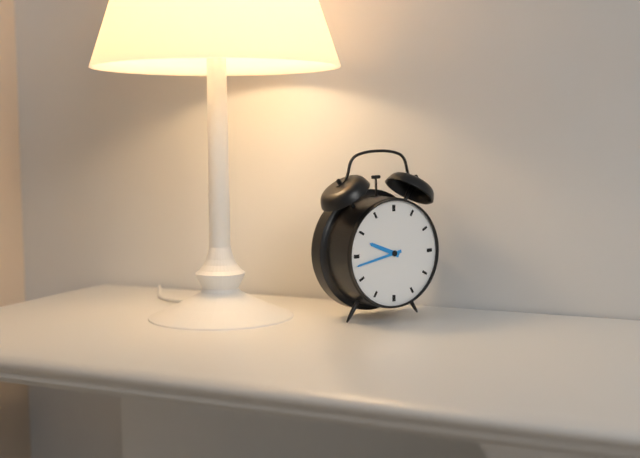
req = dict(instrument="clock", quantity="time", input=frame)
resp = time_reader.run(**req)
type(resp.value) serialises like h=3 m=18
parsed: h=9 m=43
